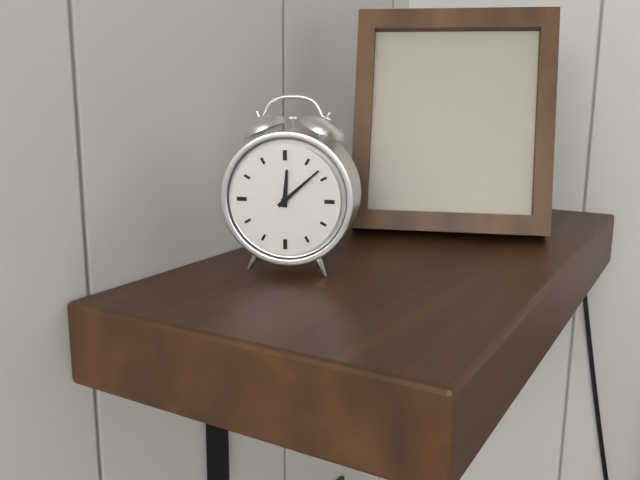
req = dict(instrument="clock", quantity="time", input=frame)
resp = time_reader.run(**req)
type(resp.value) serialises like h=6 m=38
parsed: h=12 m=8
